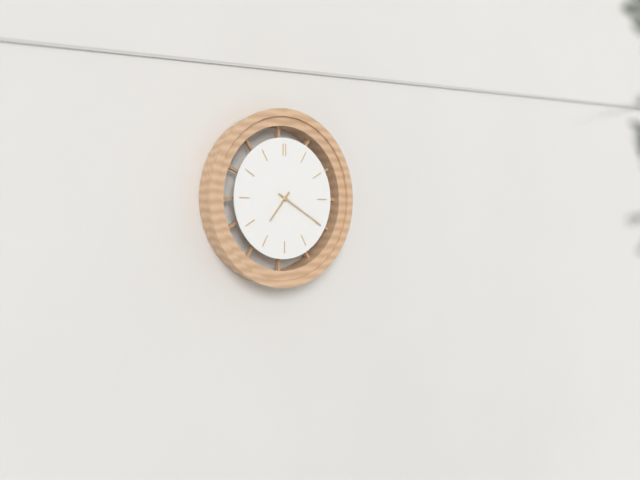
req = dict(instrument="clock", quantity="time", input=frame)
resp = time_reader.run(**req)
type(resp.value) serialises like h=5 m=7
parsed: h=7 m=20
